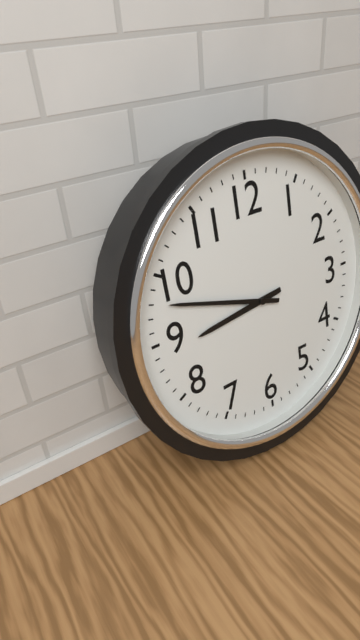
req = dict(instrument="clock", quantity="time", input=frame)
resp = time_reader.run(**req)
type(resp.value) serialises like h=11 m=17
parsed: h=8 m=48
